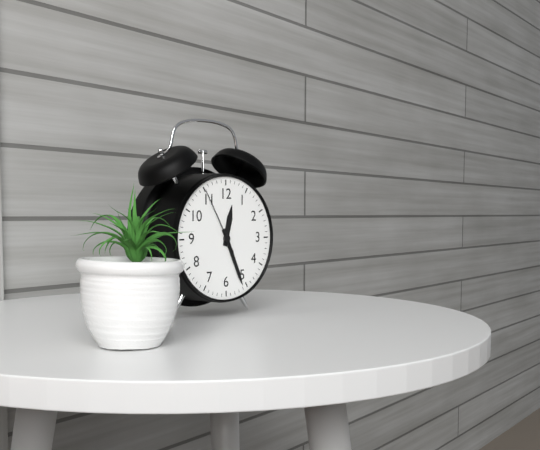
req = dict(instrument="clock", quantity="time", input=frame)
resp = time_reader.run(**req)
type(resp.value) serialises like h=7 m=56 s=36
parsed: h=12 m=26 s=55
